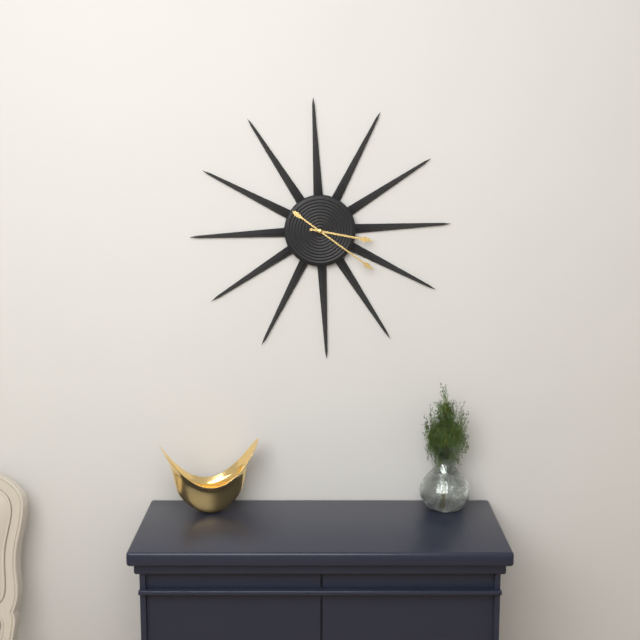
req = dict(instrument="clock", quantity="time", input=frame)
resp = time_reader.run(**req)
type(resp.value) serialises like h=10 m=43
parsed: h=3 m=21
